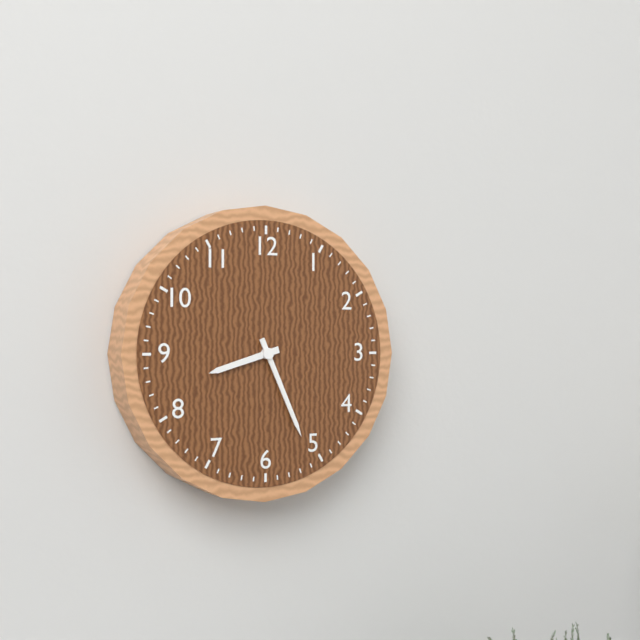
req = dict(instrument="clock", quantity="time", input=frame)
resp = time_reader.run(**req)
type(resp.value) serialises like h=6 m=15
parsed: h=8 m=26
